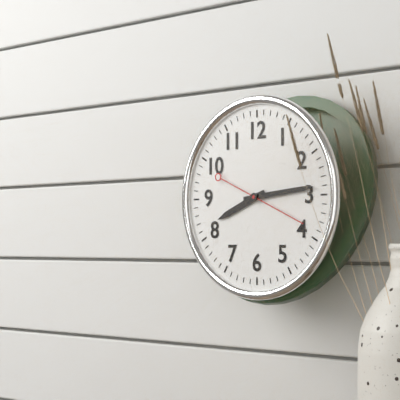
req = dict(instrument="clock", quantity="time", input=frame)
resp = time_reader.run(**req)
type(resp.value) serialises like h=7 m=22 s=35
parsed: h=8 m=14 s=19
